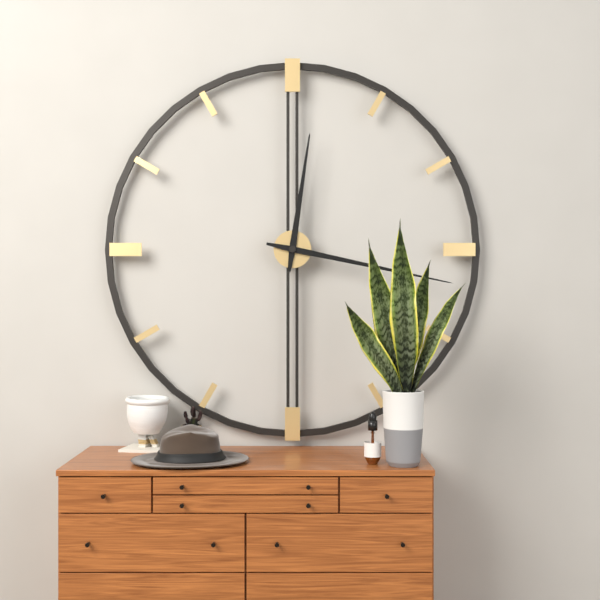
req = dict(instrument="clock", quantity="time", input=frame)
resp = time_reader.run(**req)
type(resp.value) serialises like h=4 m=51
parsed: h=12 m=17
